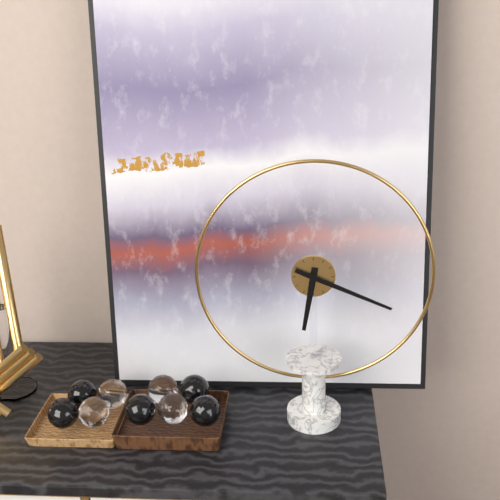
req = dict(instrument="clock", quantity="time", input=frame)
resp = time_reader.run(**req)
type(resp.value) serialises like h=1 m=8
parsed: h=6 m=19
